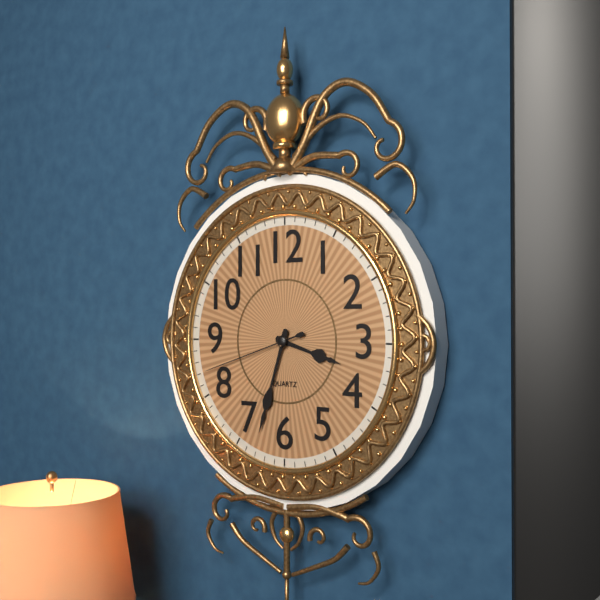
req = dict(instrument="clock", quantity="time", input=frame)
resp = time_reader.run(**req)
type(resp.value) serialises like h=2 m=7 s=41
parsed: h=3 m=33 s=42
